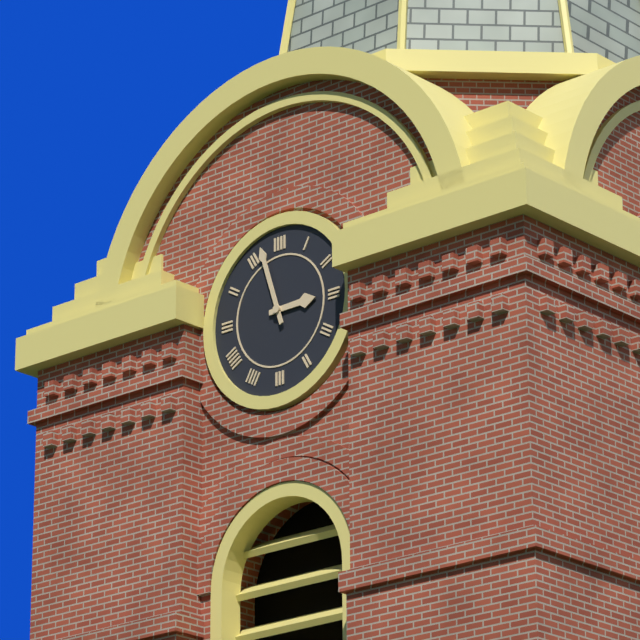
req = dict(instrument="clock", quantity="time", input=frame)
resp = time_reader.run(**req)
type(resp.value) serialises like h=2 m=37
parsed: h=2 m=57
